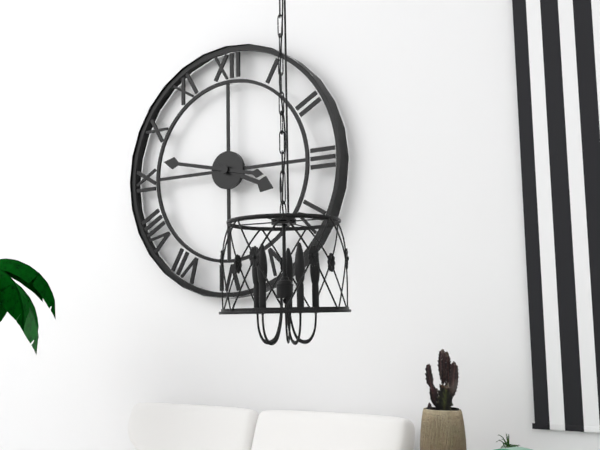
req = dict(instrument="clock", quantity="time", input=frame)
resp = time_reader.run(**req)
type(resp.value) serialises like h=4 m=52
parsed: h=3 m=47
